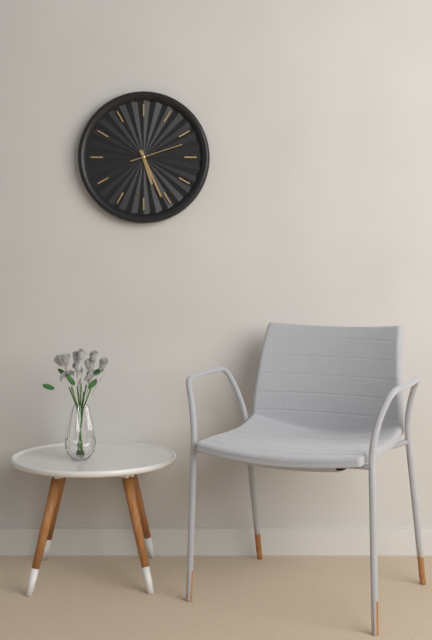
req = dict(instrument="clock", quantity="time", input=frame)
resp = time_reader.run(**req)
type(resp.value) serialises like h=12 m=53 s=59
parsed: h=5 m=26 s=12
